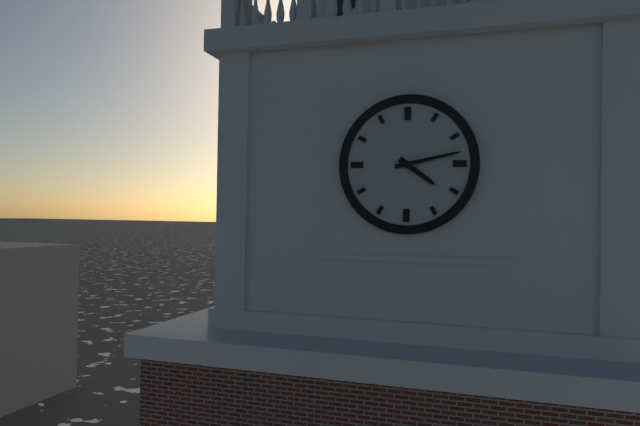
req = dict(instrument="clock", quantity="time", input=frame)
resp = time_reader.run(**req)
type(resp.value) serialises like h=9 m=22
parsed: h=4 m=13
